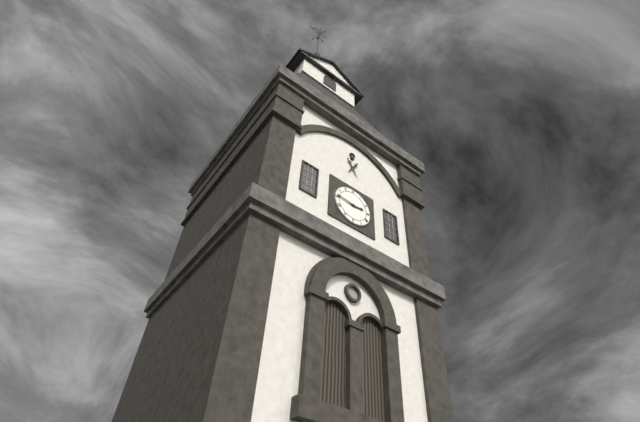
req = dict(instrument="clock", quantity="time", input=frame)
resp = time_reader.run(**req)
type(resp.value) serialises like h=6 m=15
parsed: h=2 m=46
